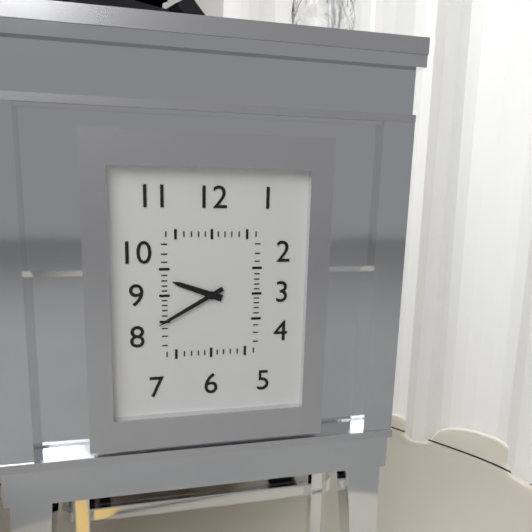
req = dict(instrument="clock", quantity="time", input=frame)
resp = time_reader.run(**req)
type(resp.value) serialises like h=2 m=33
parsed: h=9 m=40
